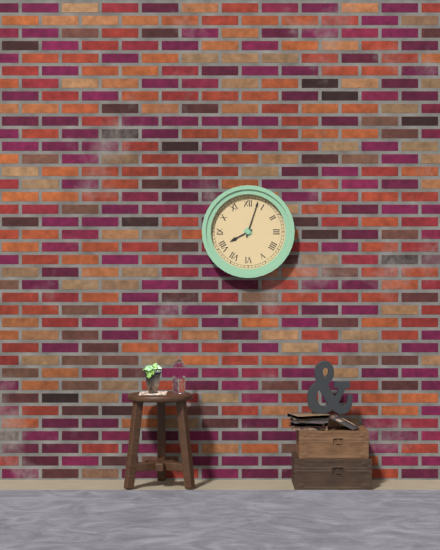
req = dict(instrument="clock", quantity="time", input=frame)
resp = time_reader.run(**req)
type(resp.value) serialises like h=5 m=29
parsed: h=8 m=3
